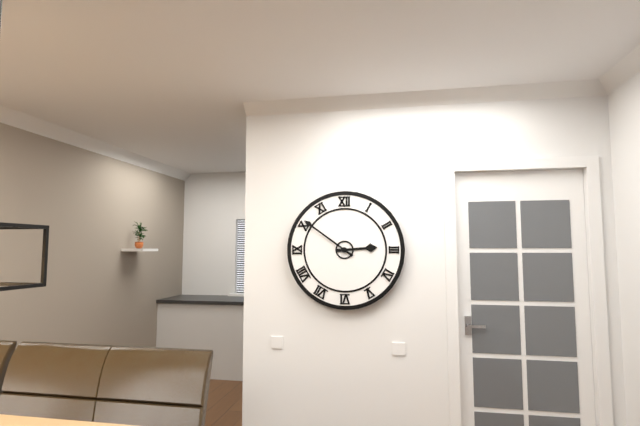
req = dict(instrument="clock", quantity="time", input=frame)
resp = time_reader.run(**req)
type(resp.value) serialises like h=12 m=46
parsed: h=2 m=51
